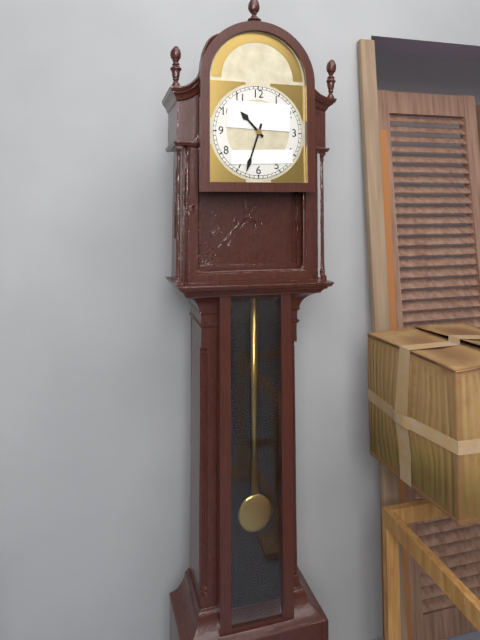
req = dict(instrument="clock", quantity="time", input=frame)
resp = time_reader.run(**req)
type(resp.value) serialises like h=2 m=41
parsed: h=10 m=33
